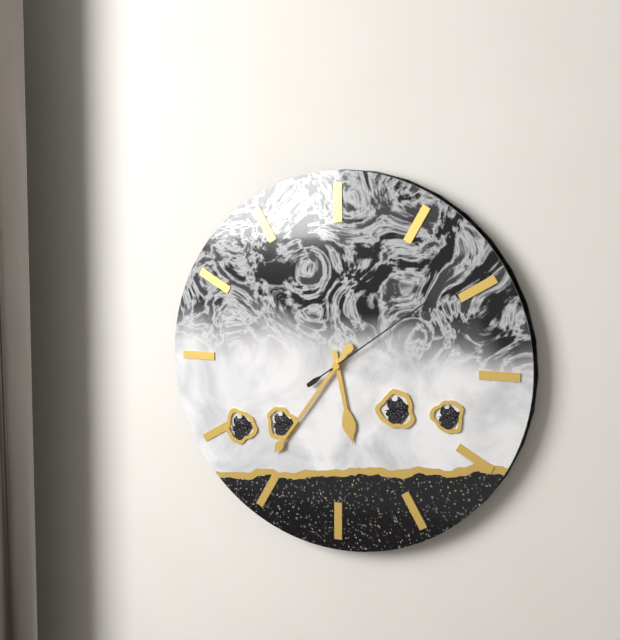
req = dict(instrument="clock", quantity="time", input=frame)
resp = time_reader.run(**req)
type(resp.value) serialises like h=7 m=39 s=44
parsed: h=5 m=36 s=9
